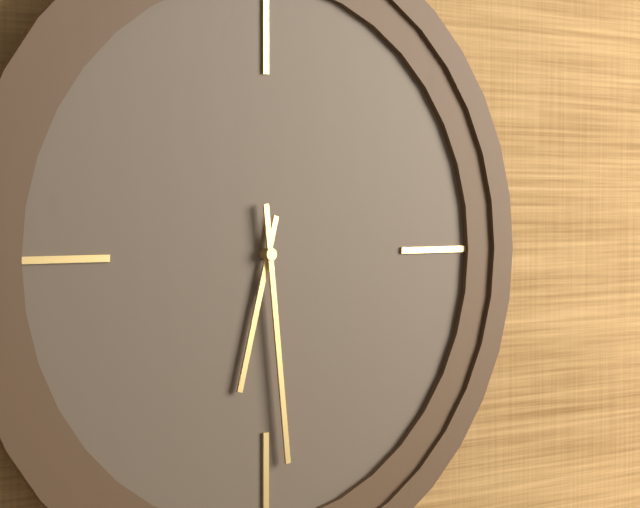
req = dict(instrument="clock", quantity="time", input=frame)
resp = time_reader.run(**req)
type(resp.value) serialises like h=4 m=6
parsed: h=6 m=29
